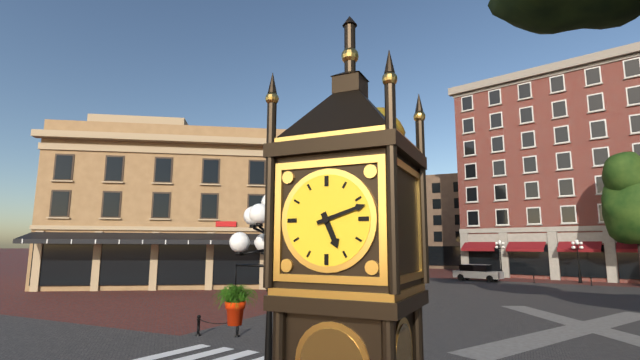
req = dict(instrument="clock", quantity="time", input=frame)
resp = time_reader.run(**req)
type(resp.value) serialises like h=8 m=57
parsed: h=5 m=12
